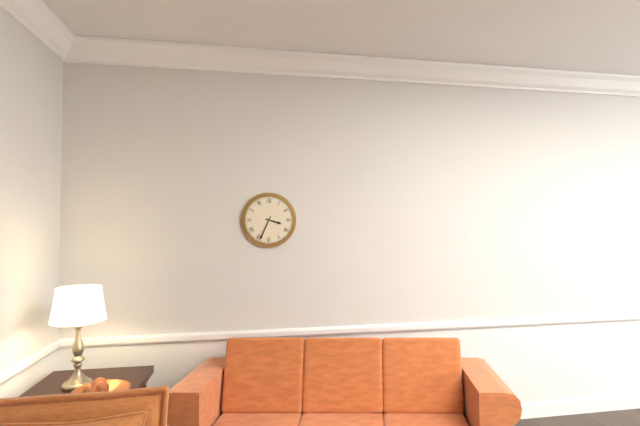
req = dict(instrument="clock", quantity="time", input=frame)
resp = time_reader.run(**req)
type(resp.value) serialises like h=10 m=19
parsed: h=3 m=34
